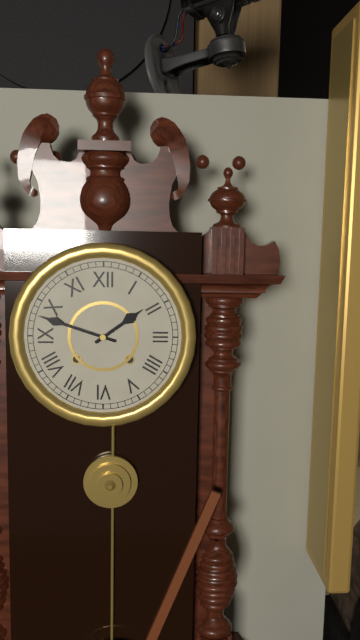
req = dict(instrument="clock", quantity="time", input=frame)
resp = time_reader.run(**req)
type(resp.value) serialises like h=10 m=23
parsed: h=1 m=48
